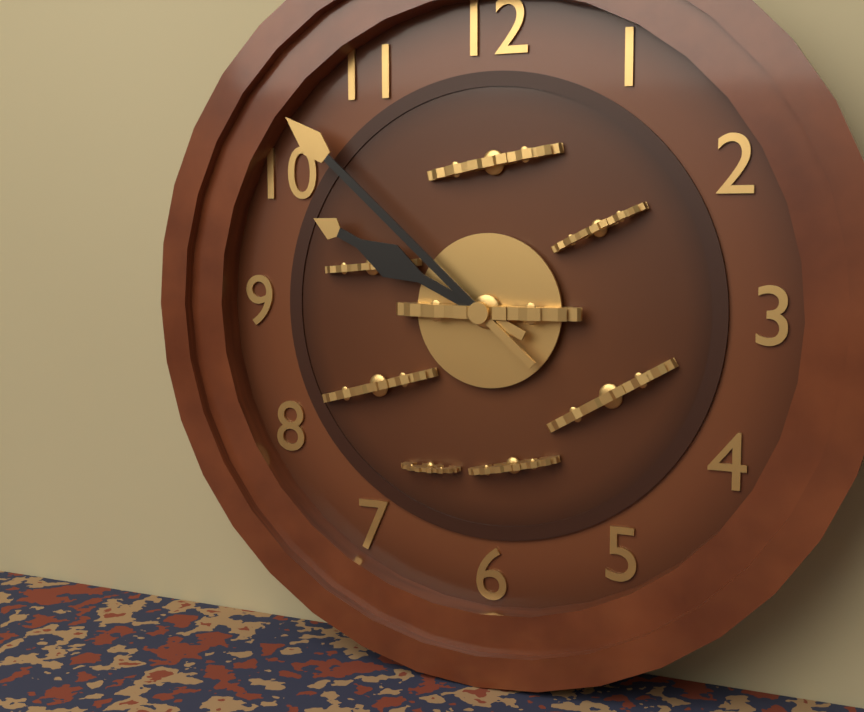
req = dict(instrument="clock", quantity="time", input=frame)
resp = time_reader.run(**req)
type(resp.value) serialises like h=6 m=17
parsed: h=9 m=52
